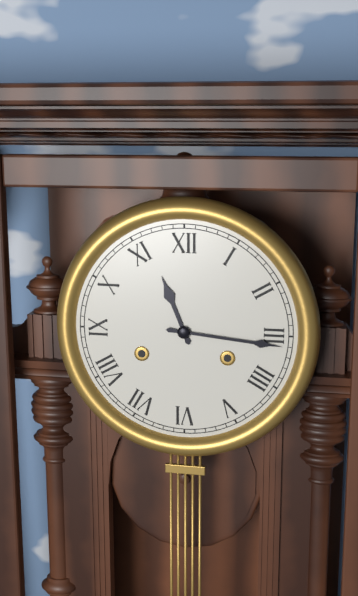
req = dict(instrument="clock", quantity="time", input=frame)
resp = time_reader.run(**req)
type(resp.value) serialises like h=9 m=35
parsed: h=11 m=16
